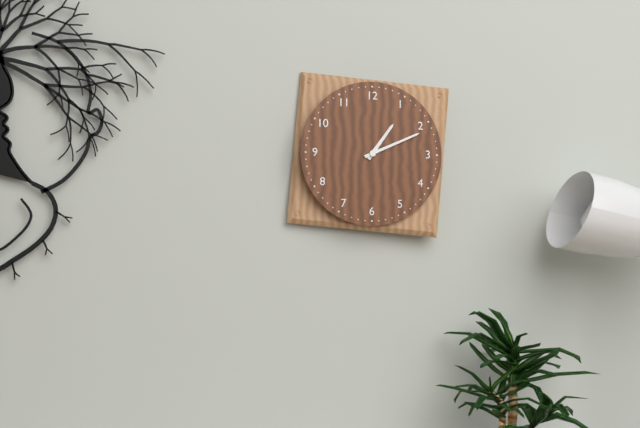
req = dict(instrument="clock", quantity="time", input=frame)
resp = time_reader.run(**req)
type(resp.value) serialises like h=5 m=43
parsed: h=1 m=11
